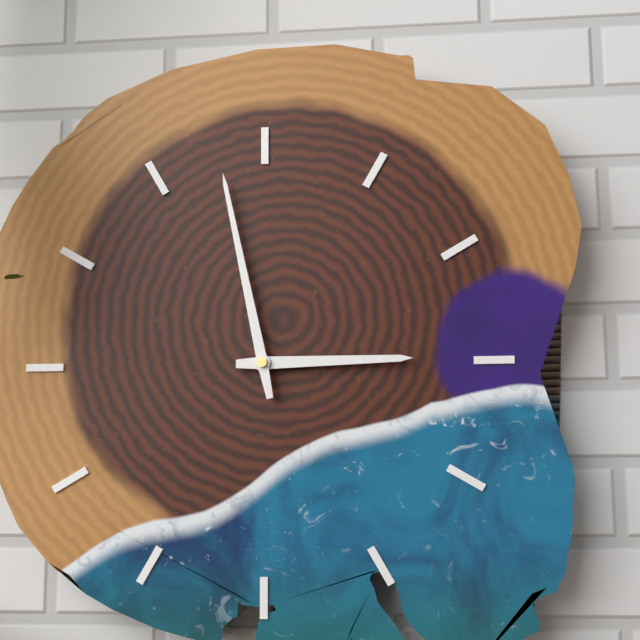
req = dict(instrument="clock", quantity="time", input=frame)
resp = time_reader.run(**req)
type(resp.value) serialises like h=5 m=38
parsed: h=2 m=58
